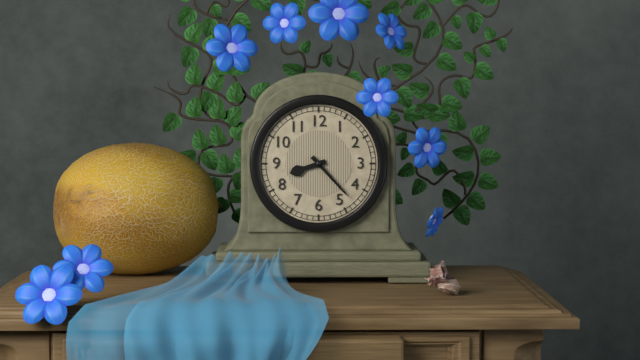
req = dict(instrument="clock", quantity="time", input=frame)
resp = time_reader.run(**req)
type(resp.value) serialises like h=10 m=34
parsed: h=8 m=23
